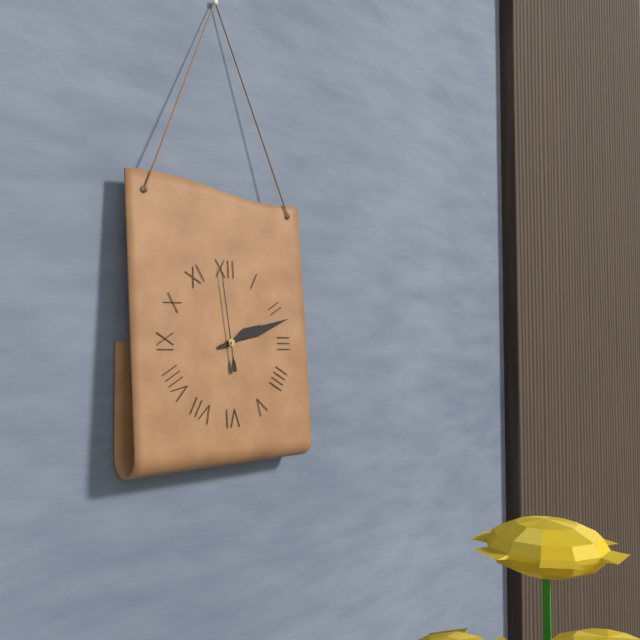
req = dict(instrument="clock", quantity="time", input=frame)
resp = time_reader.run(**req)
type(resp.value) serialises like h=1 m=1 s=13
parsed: h=2 m=12 s=59
